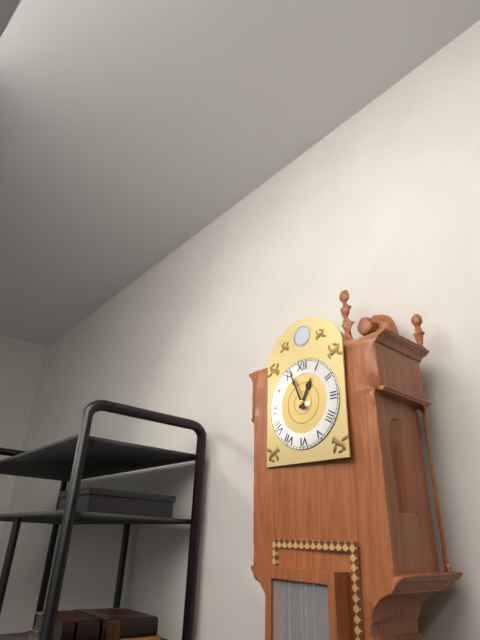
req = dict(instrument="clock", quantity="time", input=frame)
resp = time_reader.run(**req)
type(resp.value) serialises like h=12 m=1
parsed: h=12 m=56
